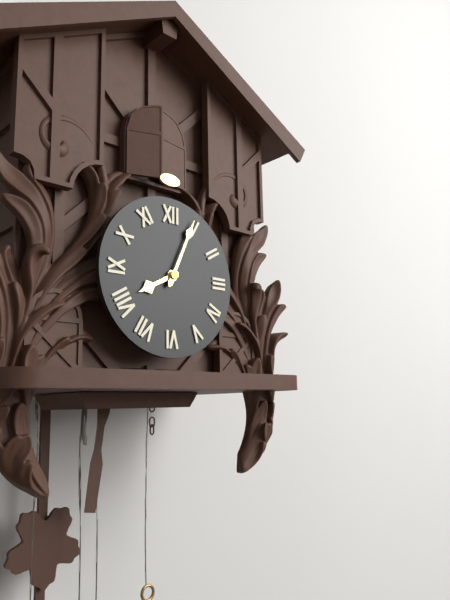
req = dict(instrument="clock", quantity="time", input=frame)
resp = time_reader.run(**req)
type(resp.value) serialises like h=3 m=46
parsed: h=8 m=4
